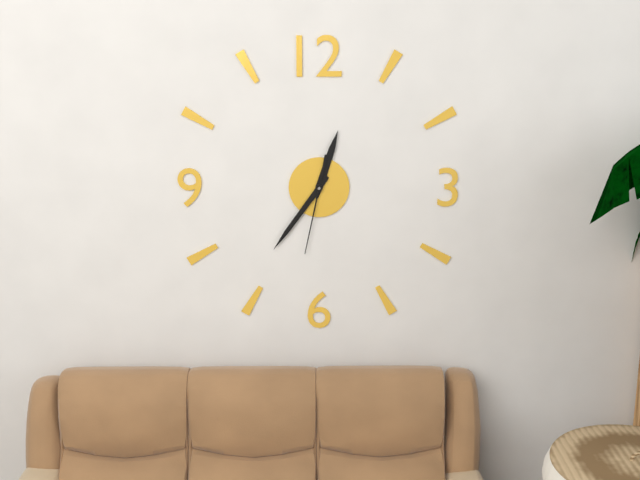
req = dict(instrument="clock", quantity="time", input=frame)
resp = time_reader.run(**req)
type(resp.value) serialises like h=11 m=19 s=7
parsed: h=12 m=36 s=32
